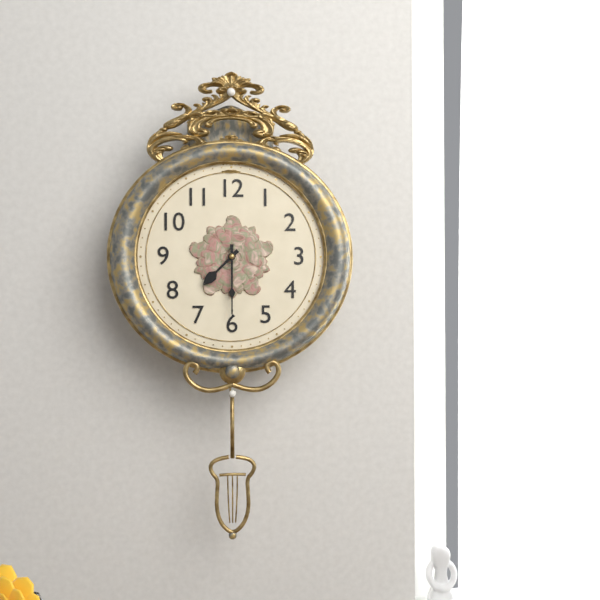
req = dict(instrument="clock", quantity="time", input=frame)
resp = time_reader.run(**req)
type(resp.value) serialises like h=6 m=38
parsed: h=7 m=30
